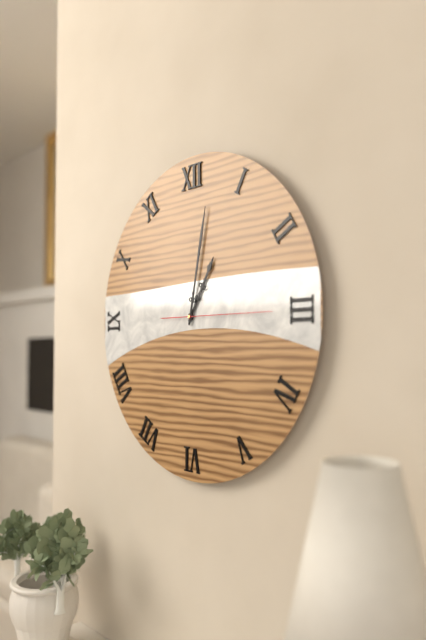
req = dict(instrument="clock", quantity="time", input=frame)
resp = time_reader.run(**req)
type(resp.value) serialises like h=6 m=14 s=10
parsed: h=1 m=2 s=15
